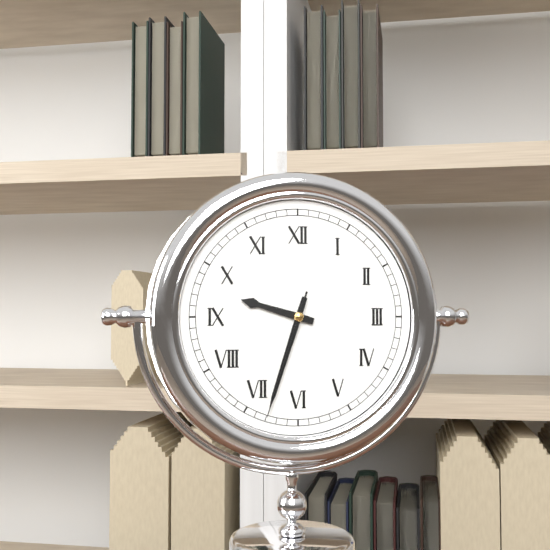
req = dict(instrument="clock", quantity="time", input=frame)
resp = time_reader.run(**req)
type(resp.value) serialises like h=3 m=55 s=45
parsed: h=9 m=33 s=33
